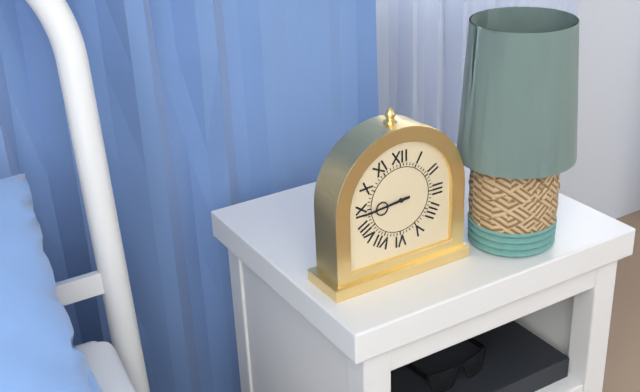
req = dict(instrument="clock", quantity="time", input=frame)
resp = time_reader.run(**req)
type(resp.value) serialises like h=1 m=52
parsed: h=8 m=44
